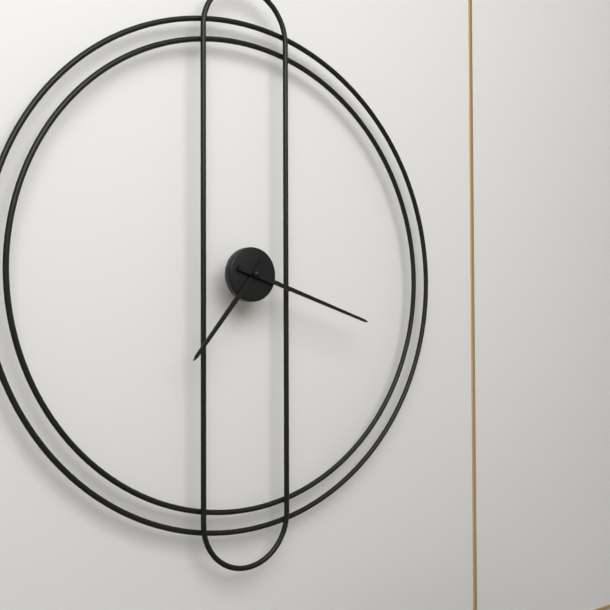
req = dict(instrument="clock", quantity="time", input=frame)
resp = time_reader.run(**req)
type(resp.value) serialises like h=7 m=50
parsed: h=7 m=18
